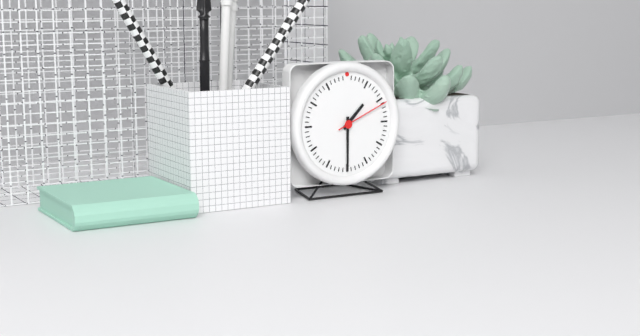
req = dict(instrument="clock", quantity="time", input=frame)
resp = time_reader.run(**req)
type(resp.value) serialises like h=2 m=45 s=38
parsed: h=1 m=30 s=11
